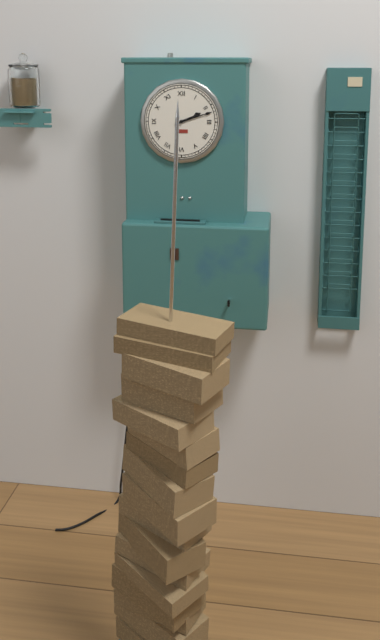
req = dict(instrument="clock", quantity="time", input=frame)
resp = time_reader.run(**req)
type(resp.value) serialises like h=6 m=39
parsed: h=2 m=12
